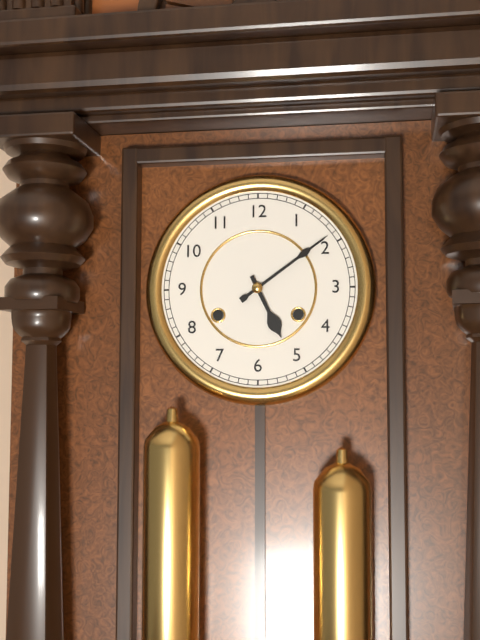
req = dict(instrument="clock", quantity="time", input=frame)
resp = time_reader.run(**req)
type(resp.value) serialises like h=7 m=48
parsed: h=5 m=9
